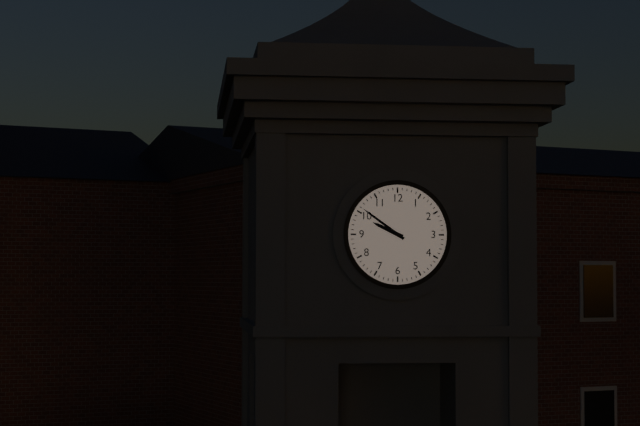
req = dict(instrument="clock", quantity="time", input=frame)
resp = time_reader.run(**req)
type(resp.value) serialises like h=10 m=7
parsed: h=9 m=51
